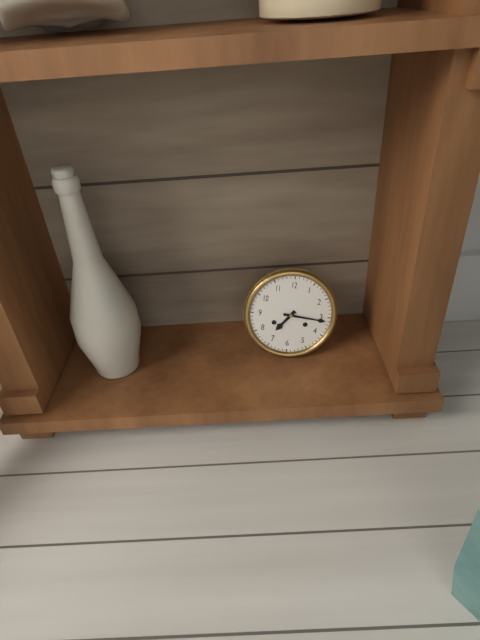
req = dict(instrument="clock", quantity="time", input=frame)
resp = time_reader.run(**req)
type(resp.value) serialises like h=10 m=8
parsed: h=7 m=16
